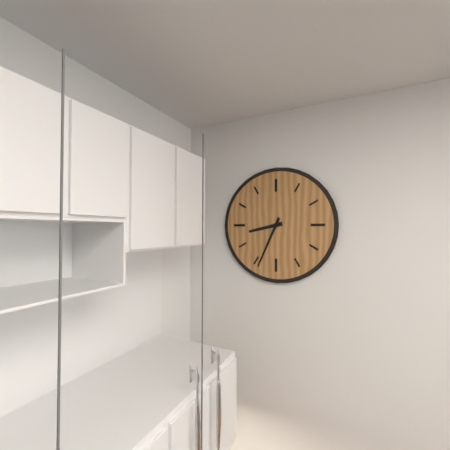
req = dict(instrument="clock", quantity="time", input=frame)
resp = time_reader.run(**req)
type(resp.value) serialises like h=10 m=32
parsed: h=8 m=34
